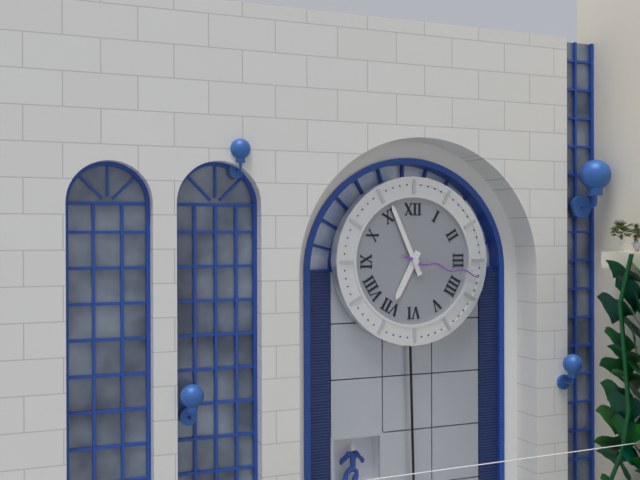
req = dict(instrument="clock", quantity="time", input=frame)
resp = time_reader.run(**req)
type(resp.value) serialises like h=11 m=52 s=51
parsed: h=6 m=56 s=17
